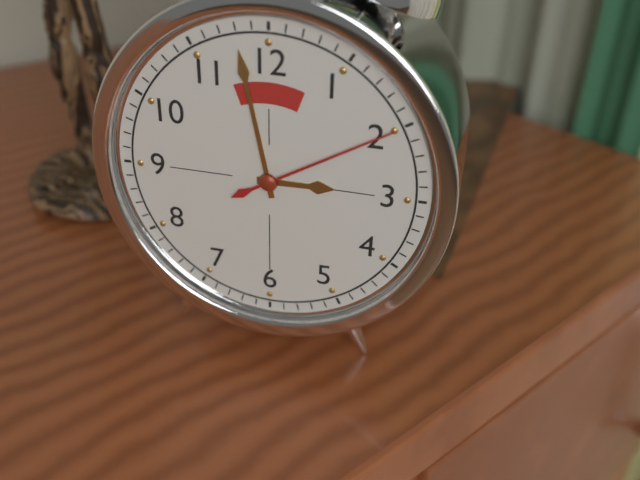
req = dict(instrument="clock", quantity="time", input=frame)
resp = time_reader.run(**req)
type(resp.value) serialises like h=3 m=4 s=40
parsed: h=2 m=58 s=10
